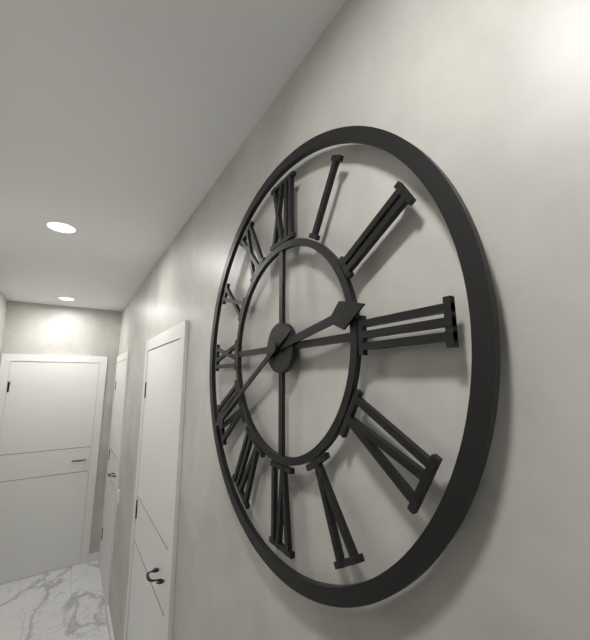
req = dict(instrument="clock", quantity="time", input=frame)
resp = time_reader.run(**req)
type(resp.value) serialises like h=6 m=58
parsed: h=2 m=40
